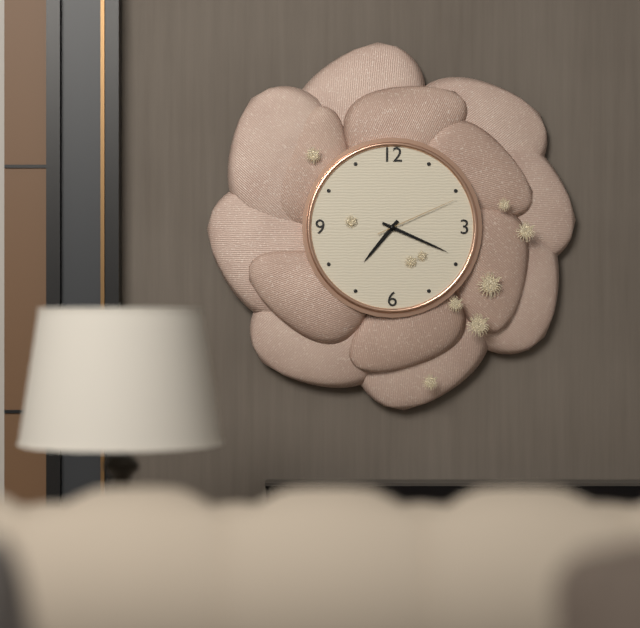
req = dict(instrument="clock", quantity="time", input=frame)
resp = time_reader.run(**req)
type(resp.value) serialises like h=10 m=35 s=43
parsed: h=7 m=19 s=11
